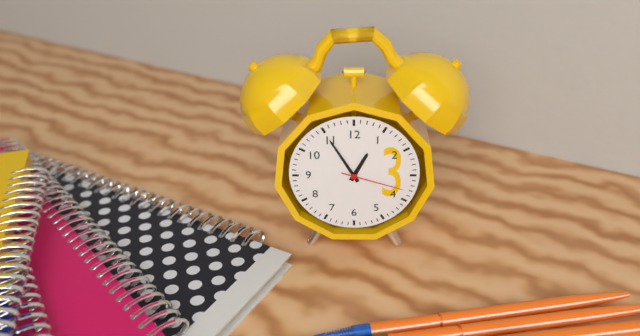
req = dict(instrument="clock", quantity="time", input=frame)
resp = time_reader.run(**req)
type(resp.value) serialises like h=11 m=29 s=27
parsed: h=12 m=55 s=18
